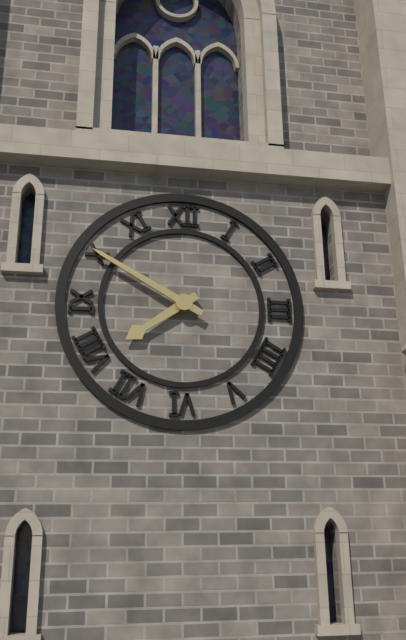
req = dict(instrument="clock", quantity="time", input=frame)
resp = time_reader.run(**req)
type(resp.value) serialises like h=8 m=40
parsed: h=7 m=50
